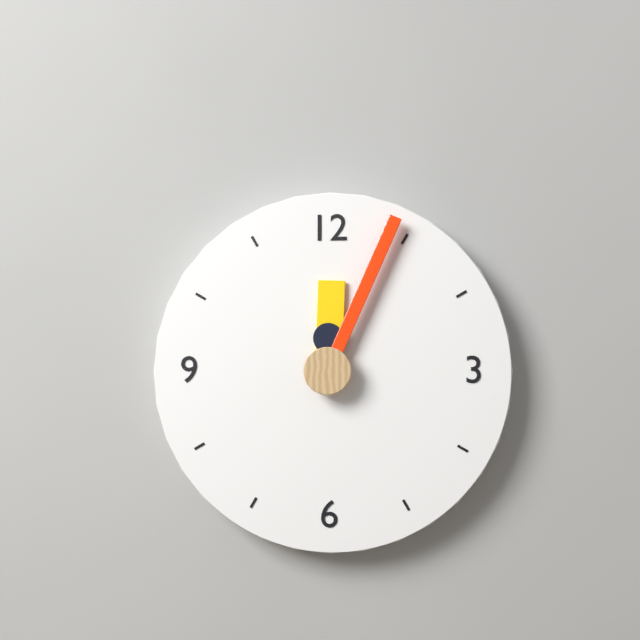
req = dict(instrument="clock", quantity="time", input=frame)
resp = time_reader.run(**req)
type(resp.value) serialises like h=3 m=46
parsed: h=12 m=4
